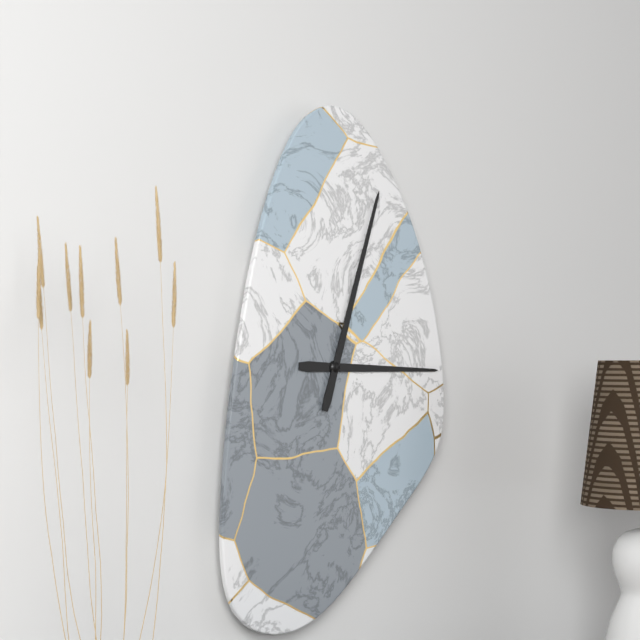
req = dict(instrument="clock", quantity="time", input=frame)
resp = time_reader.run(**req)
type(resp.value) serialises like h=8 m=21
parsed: h=3 m=3
